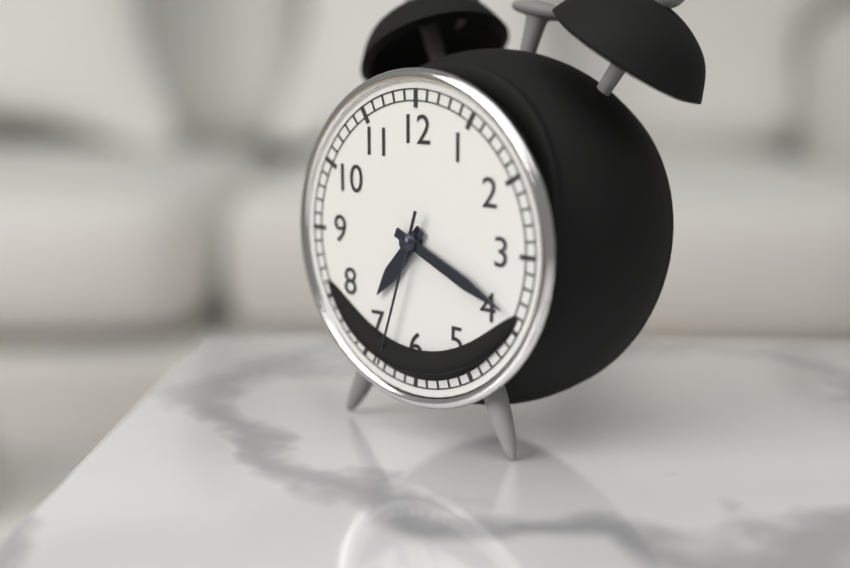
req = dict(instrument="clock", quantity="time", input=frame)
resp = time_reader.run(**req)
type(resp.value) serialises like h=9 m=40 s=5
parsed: h=7 m=19 s=33
